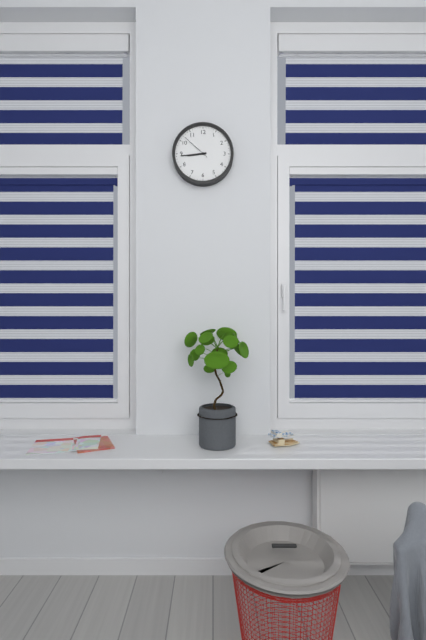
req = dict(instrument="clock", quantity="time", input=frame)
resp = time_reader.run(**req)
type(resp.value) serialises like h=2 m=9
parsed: h=8 m=44
